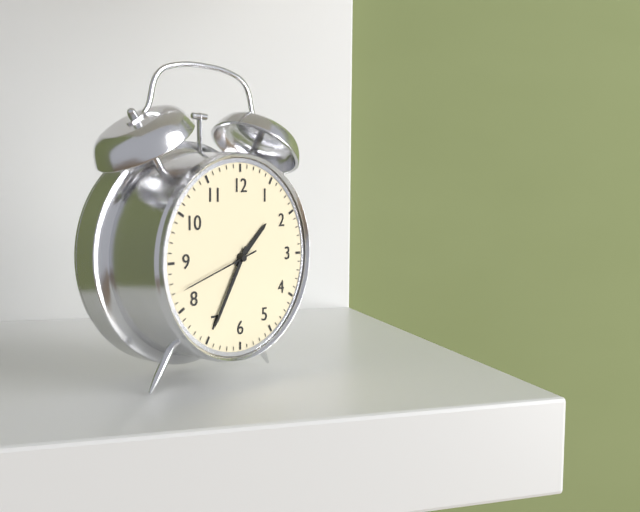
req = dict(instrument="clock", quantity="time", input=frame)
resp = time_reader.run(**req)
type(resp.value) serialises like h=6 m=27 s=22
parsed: h=1 m=35 s=42
